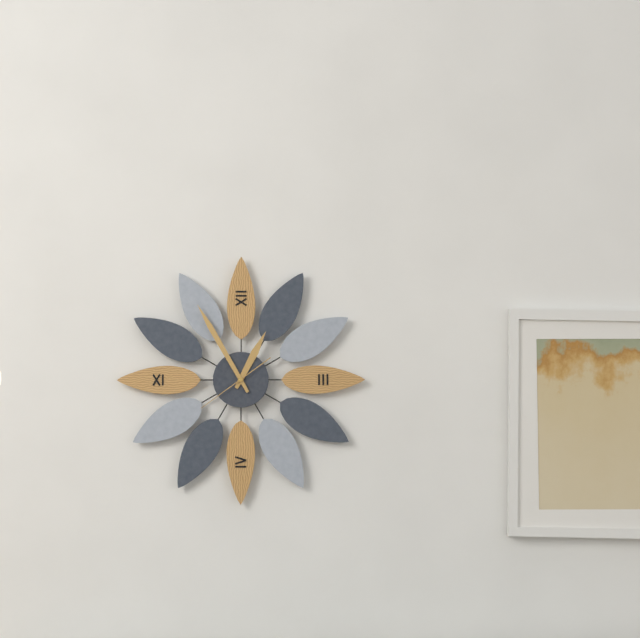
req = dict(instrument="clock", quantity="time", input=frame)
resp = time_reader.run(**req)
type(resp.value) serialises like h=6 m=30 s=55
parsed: h=12 m=55 s=39
